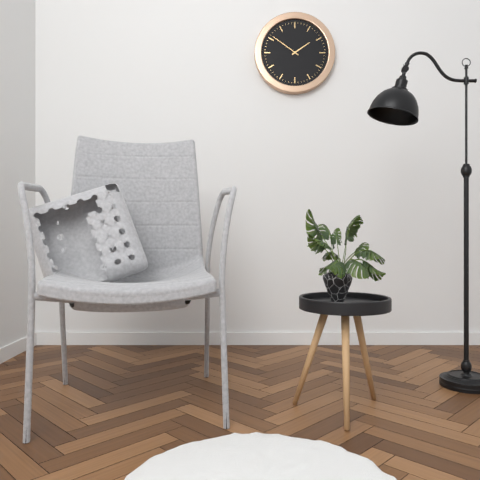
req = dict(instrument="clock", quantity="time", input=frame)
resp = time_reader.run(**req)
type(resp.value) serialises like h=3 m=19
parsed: h=1 m=51
